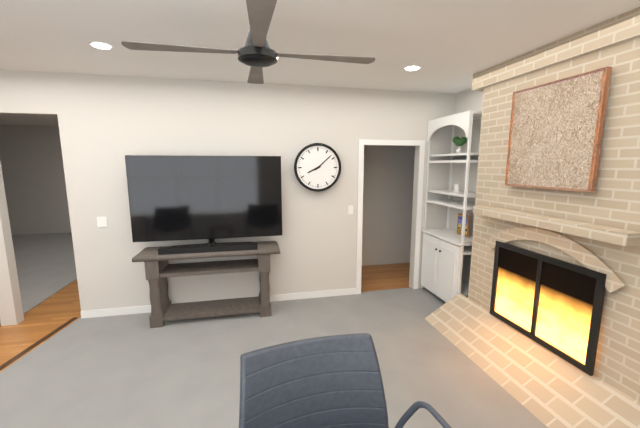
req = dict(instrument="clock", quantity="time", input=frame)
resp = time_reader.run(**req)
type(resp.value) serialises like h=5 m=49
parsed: h=8 m=8
